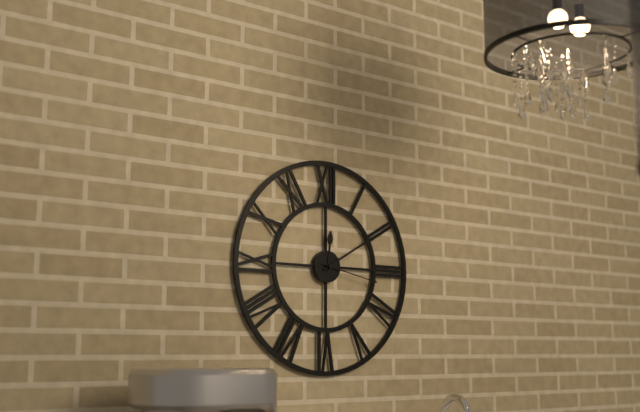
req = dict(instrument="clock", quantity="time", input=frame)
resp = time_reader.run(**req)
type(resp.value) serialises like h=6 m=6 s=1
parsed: h=12 m=10 s=17
